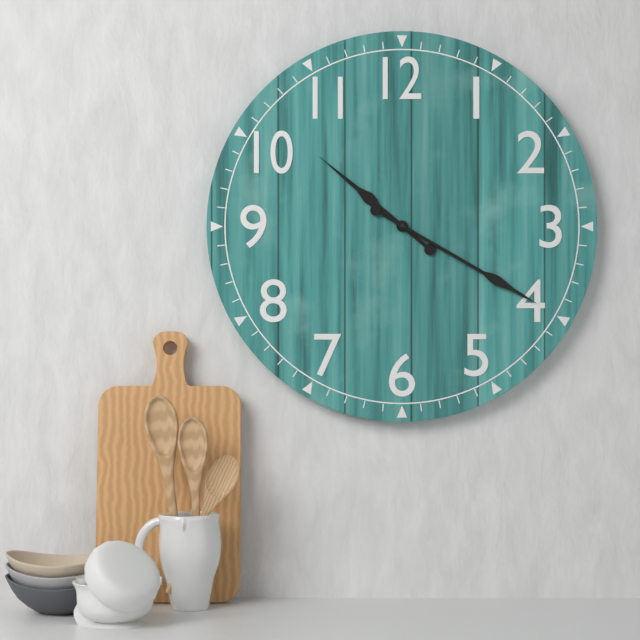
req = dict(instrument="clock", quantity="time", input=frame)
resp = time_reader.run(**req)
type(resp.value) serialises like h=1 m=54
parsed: h=10 m=20
